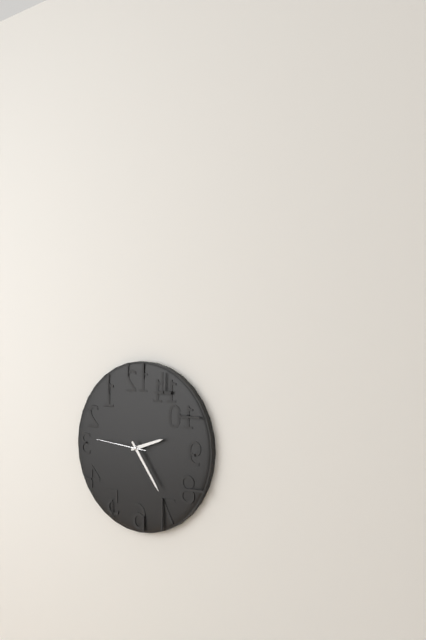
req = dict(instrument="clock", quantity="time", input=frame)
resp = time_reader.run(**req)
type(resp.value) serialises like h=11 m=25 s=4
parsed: h=2 m=24 s=46
